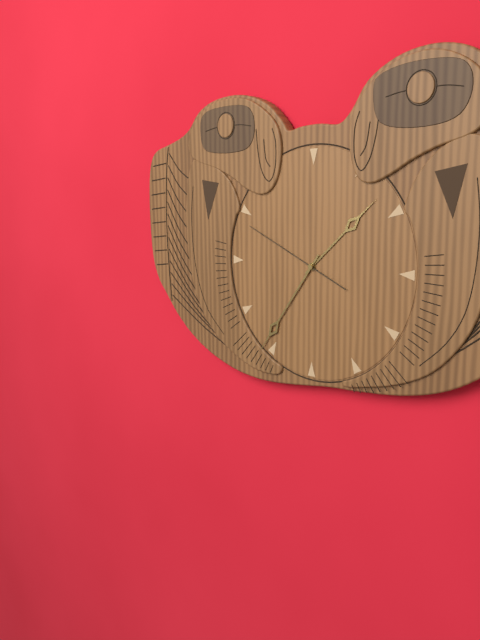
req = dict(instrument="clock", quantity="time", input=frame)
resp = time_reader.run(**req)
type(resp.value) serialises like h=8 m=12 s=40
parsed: h=1 m=36 s=49
